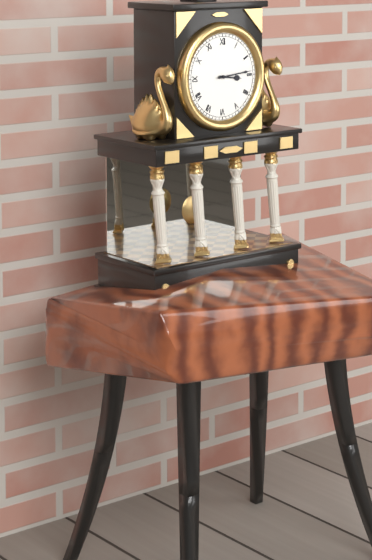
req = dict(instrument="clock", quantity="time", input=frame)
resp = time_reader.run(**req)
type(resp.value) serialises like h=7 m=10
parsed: h=3 m=14
